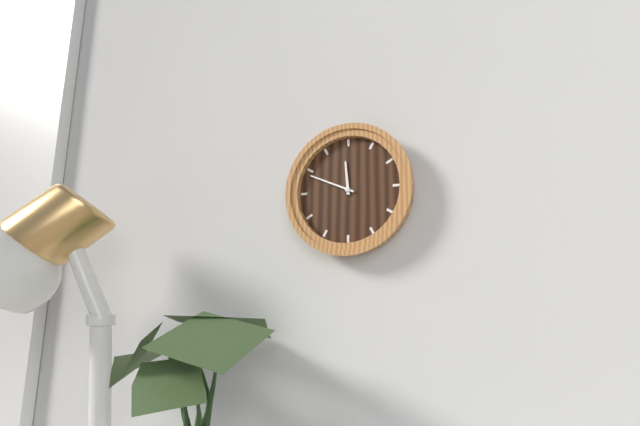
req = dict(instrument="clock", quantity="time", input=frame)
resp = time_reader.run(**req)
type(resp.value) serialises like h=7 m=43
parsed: h=11 m=49
